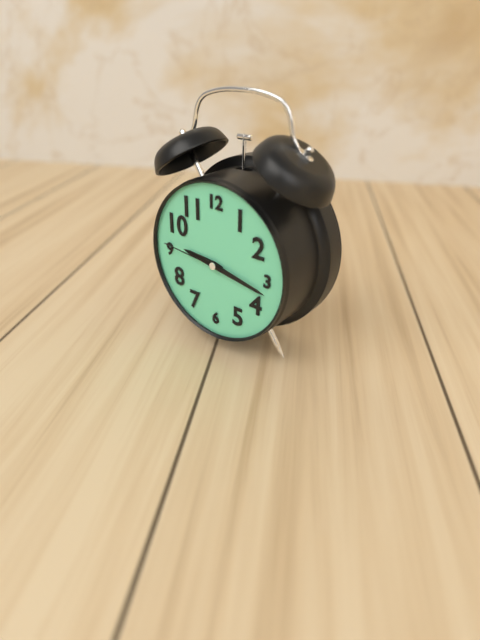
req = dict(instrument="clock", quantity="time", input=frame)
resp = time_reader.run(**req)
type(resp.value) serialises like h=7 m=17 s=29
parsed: h=9 m=17 s=46
